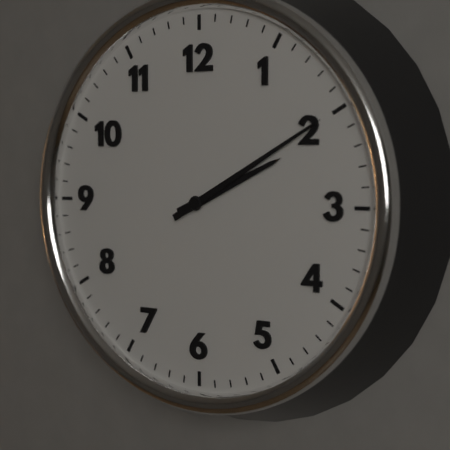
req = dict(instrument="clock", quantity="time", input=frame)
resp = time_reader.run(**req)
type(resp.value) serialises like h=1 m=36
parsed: h=2 m=10
